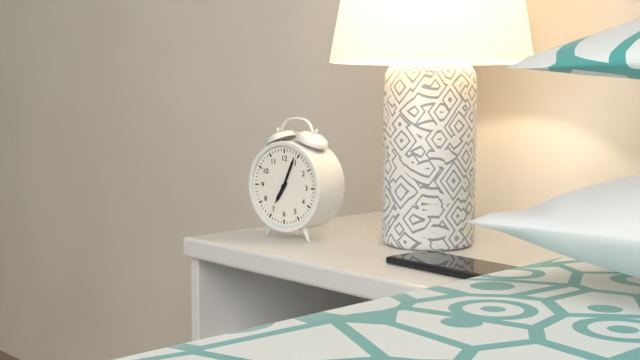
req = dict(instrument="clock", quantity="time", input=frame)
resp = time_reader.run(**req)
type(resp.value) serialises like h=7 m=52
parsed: h=7 m=4
